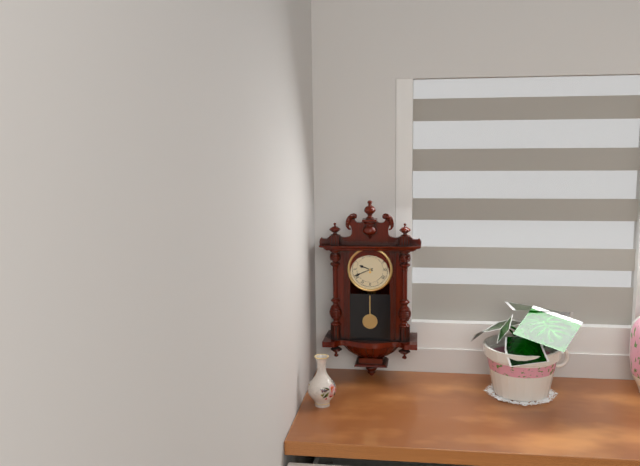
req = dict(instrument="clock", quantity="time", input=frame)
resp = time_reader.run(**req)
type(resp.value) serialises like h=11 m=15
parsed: h=9 m=41
